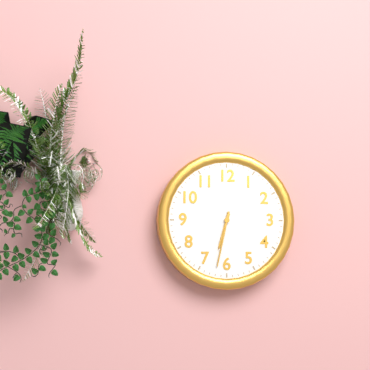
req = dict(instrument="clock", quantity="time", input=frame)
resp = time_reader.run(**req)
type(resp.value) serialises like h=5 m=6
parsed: h=6 m=32
